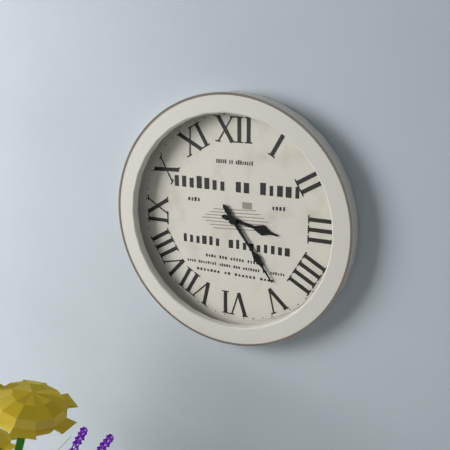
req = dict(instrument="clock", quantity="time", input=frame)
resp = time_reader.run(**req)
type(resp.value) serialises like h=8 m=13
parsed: h=3 m=24
